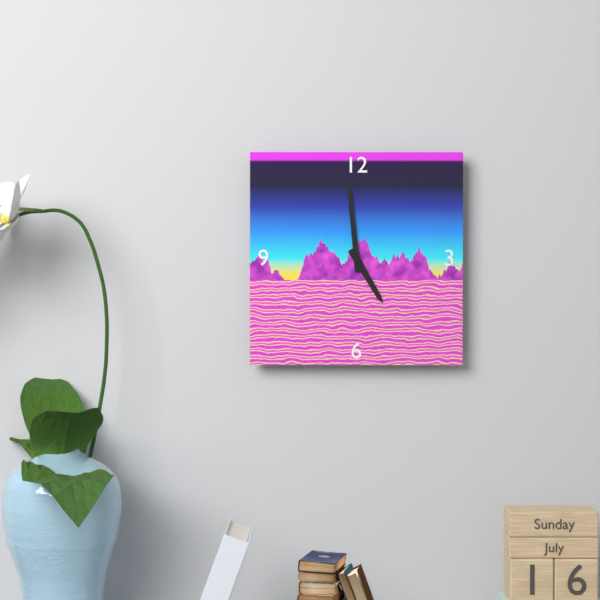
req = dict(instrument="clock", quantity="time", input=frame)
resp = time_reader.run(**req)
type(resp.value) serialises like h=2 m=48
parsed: h=4 m=59
